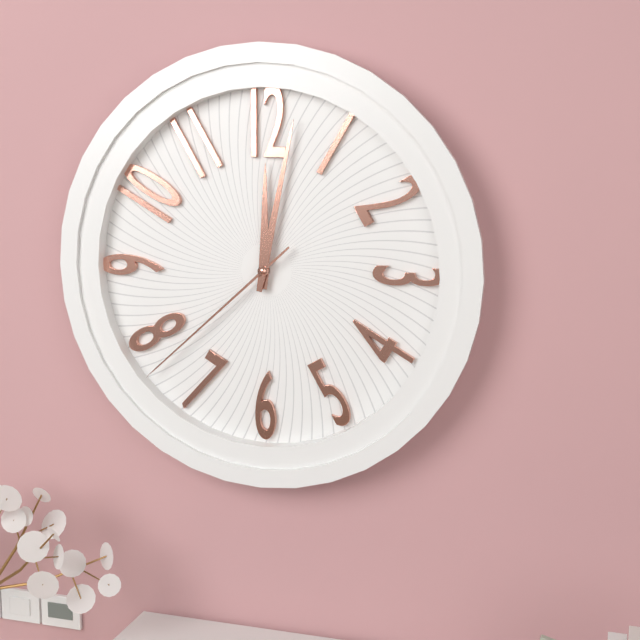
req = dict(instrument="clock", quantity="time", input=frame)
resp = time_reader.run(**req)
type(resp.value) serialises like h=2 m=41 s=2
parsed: h=12 m=2 s=38
